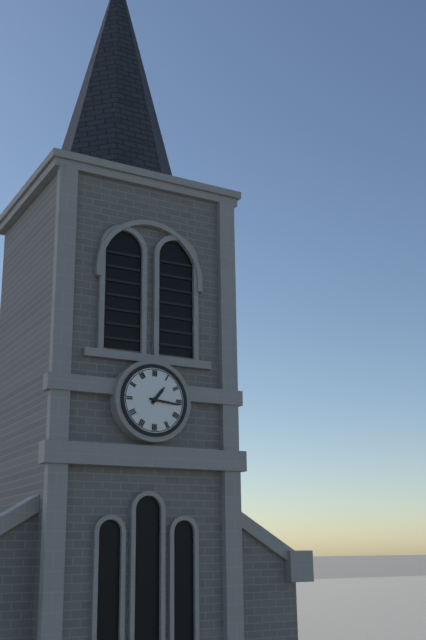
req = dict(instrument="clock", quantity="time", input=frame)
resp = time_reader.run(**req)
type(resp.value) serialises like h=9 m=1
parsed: h=1 m=16
